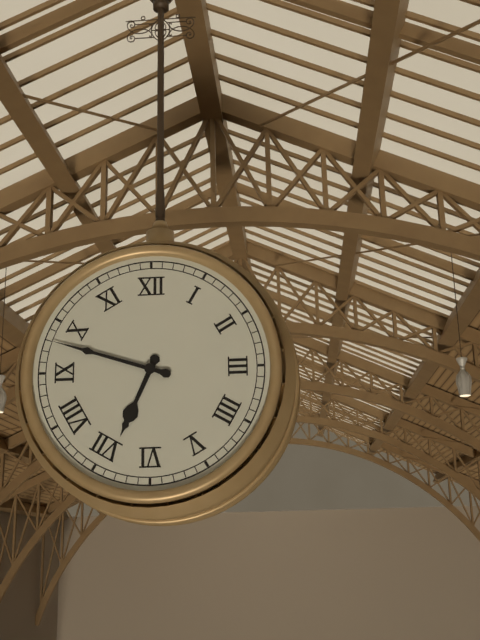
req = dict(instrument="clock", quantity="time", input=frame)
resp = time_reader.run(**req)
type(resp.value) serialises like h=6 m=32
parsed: h=6 m=48
